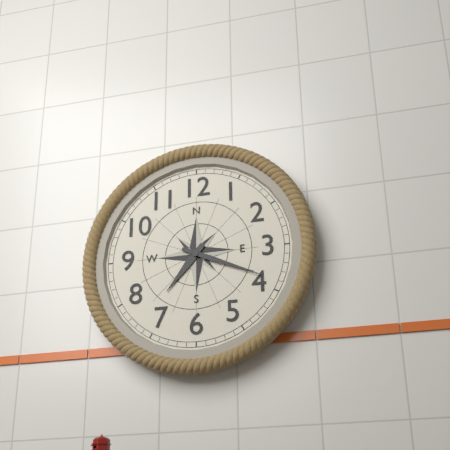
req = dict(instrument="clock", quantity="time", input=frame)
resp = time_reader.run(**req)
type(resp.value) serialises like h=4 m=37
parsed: h=7 m=19
